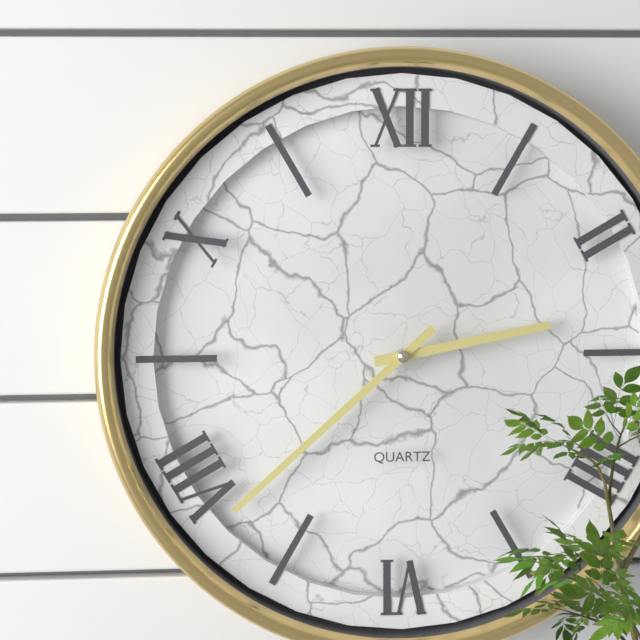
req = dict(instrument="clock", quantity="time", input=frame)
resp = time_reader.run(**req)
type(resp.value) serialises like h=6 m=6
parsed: h=2 m=38
